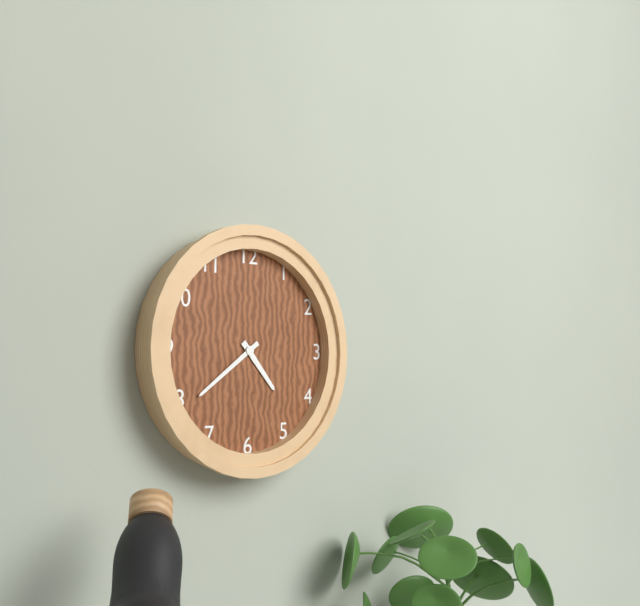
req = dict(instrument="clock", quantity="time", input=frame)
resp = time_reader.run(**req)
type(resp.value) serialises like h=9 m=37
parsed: h=4 m=39
